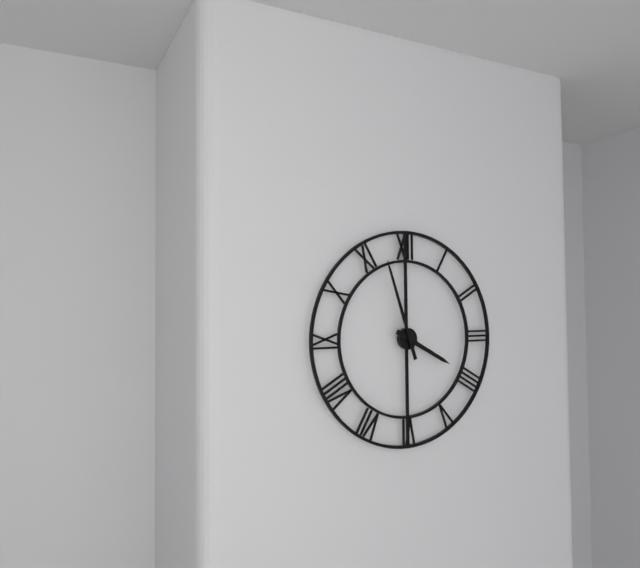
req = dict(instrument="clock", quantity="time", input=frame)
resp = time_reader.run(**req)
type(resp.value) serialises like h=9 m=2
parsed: h=3 m=57
